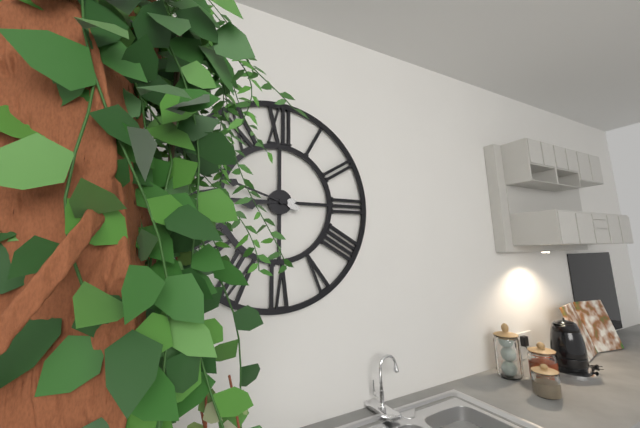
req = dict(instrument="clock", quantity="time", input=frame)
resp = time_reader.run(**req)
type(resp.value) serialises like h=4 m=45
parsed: h=8 m=48
